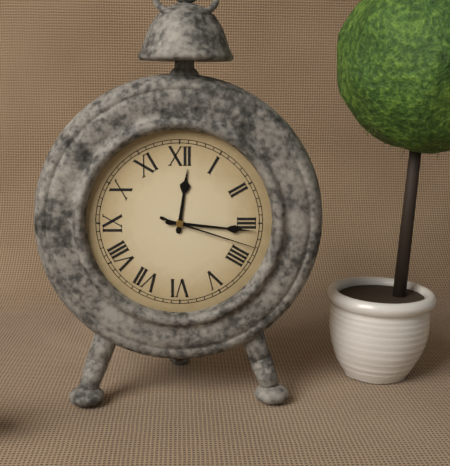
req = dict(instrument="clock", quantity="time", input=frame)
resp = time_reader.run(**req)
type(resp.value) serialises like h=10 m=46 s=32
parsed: h=12 m=16 s=18
